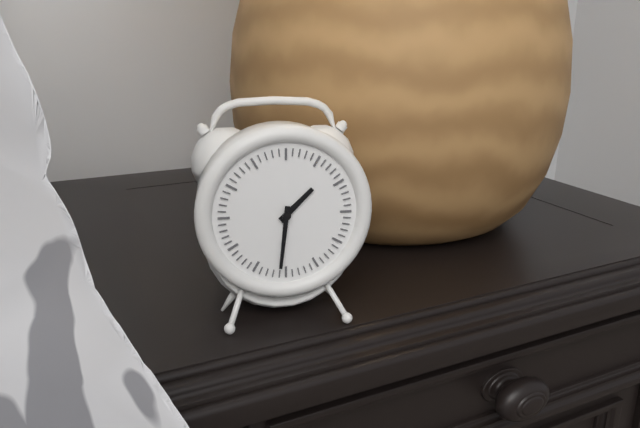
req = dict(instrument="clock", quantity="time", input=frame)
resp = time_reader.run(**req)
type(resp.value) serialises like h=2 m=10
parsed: h=1 m=31
